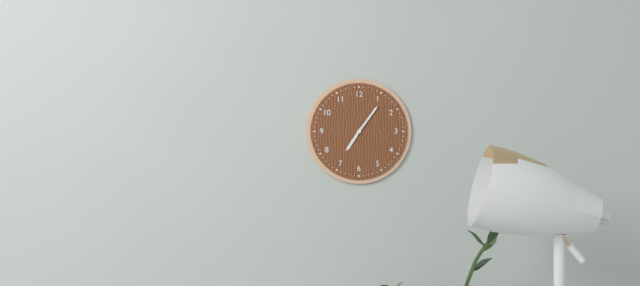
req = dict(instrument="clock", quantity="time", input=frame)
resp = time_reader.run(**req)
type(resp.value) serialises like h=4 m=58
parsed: h=7 m=6
